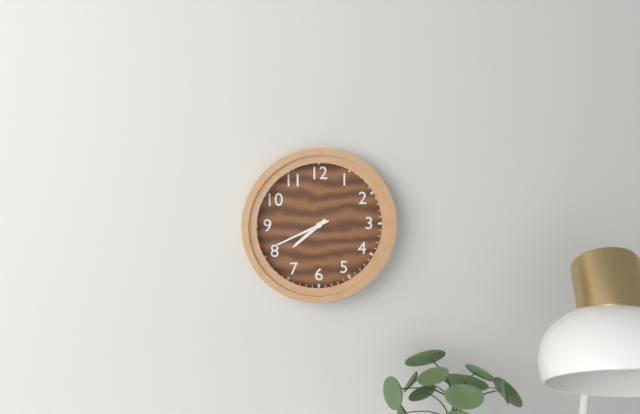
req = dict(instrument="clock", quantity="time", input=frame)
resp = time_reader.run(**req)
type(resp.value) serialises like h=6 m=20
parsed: h=7 m=41
